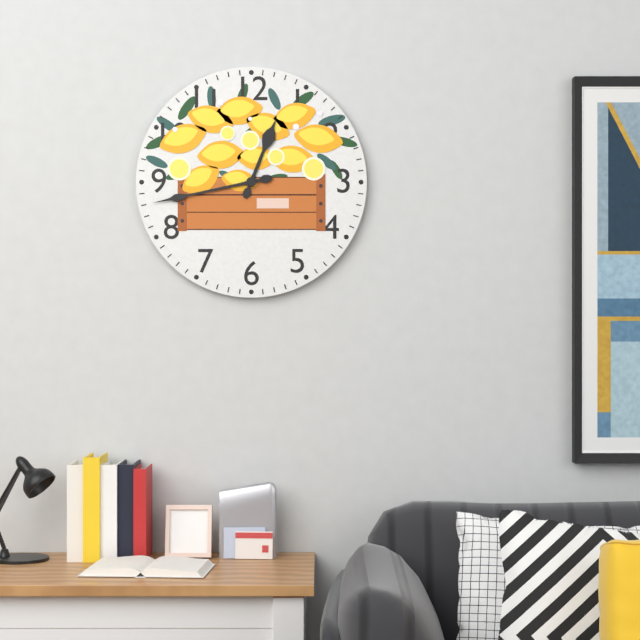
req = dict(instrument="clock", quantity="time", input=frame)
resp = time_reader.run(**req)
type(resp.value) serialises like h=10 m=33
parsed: h=12 m=43
